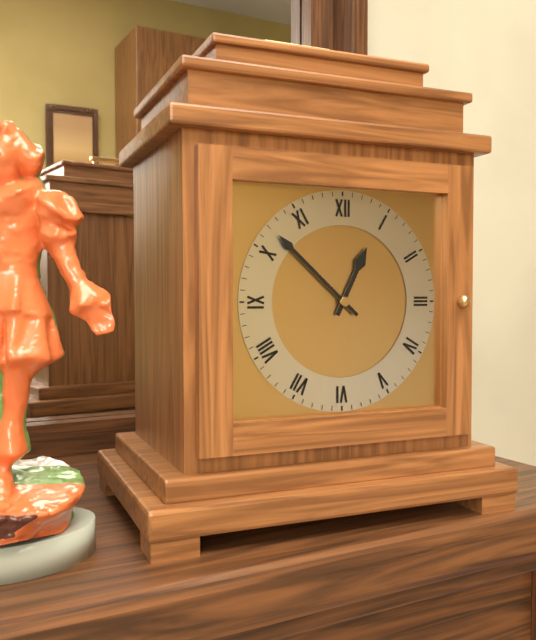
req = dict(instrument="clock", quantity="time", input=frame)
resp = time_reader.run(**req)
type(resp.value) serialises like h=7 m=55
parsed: h=12 m=52
